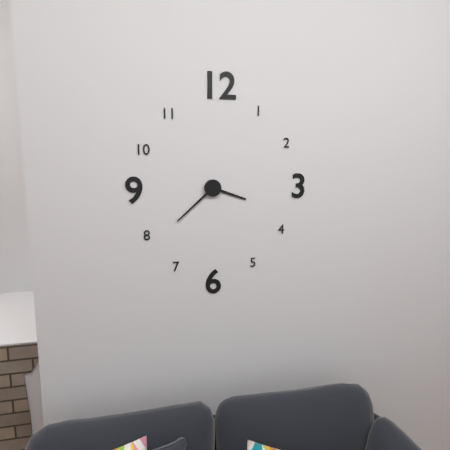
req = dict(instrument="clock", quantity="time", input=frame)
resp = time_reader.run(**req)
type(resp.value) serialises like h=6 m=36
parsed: h=3 m=38
